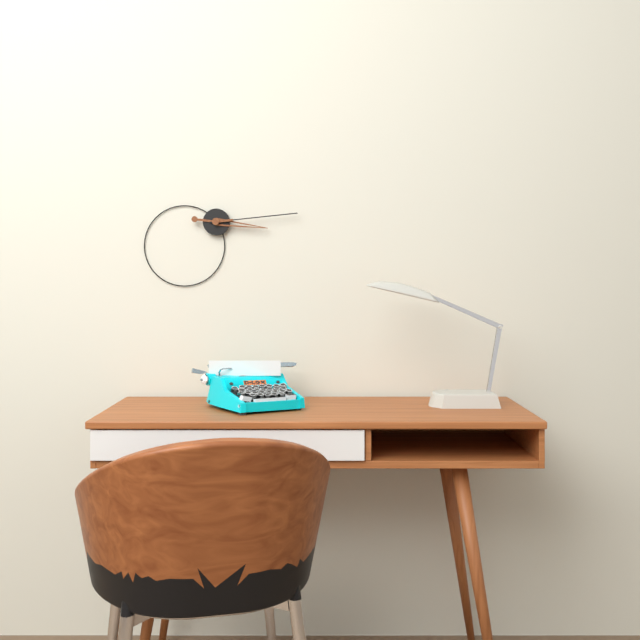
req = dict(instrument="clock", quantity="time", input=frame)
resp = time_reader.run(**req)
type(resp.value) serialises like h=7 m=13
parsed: h=3 m=14
